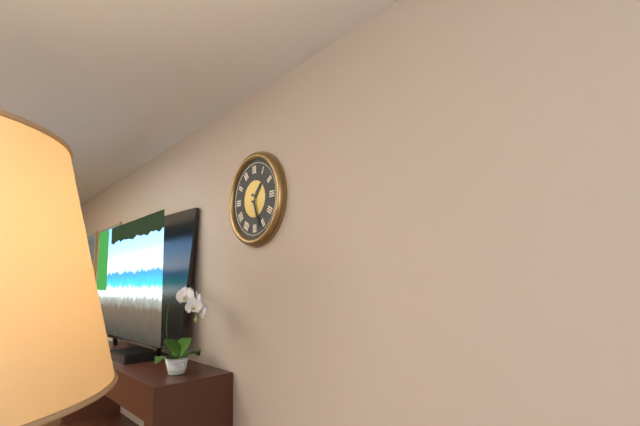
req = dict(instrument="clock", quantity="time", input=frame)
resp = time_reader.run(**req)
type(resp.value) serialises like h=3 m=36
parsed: h=1 m=27
